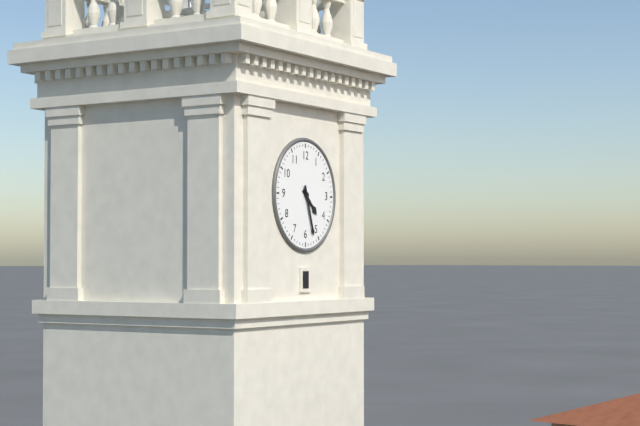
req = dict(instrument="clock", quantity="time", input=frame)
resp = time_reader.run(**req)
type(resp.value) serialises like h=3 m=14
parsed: h=4 m=27
